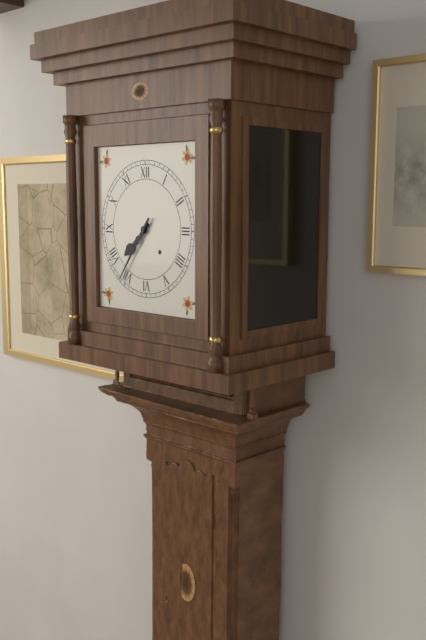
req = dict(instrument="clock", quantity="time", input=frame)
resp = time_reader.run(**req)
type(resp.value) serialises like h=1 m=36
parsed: h=7 m=36
